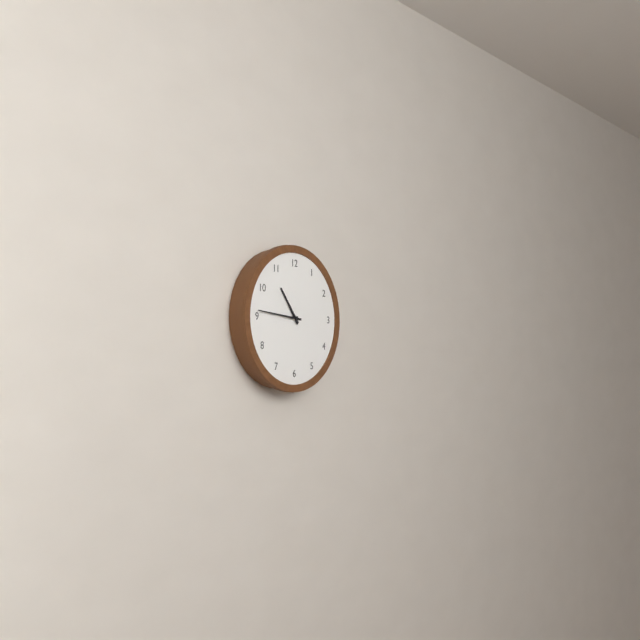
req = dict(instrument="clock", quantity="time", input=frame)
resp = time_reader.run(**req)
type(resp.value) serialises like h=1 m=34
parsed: h=10 m=46
